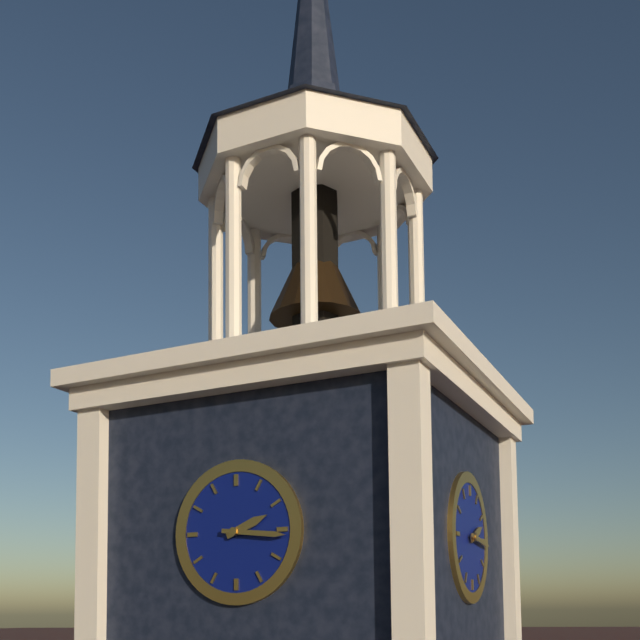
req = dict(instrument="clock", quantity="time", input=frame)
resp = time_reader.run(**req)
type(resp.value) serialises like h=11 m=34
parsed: h=2 m=16
